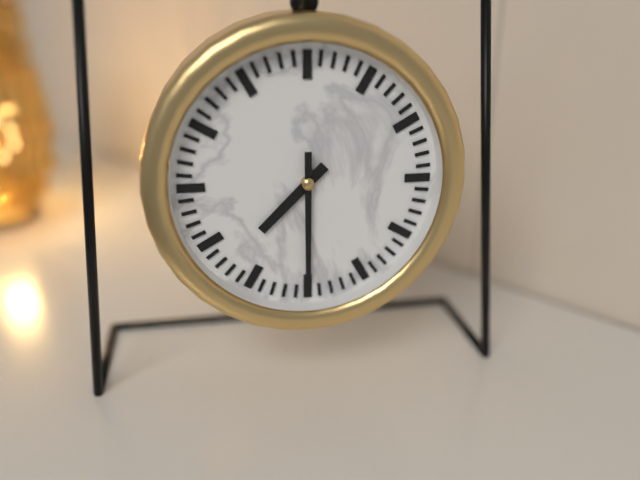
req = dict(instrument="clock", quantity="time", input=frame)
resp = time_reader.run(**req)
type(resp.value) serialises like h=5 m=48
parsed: h=7 m=30
